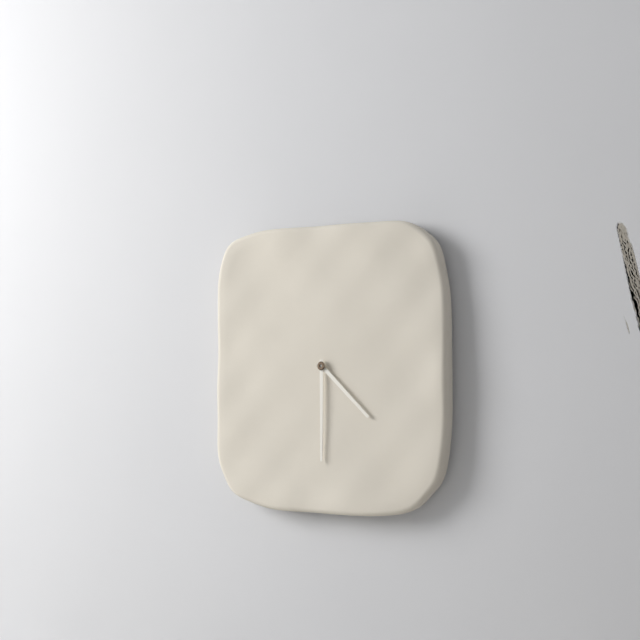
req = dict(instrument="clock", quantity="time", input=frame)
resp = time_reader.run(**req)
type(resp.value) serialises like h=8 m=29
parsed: h=4 m=30
